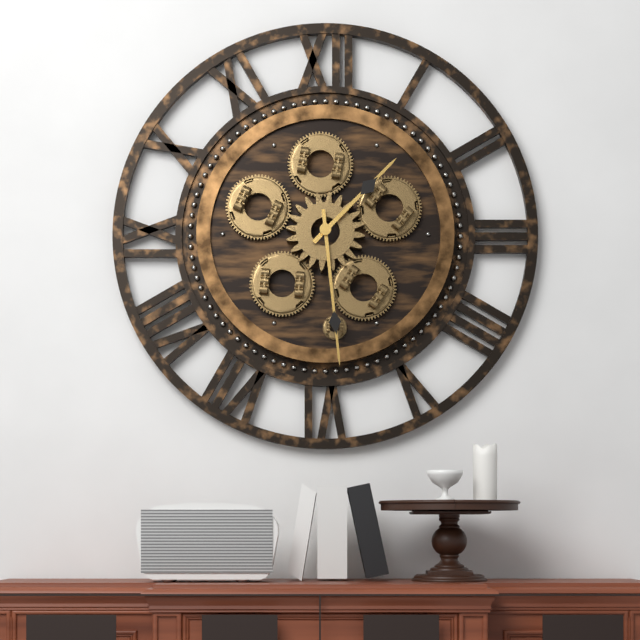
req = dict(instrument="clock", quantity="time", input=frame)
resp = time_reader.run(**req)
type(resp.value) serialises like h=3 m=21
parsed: h=1 m=29
